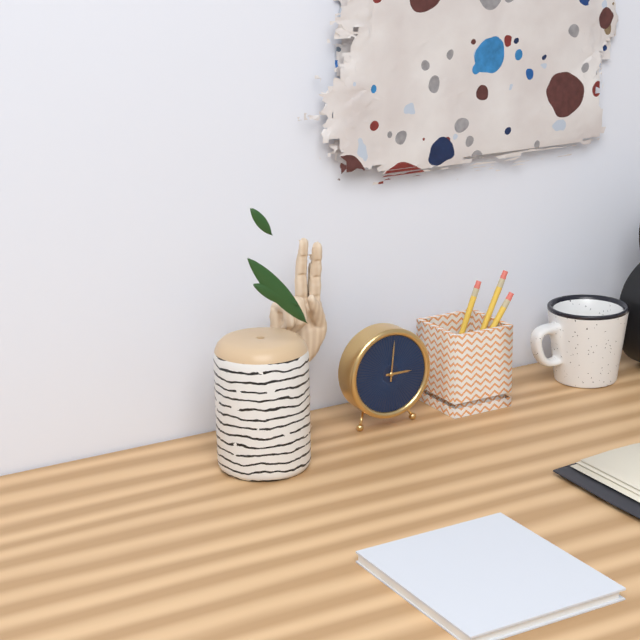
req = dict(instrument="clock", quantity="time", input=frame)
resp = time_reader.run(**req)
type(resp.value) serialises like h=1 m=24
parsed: h=3 m=1
